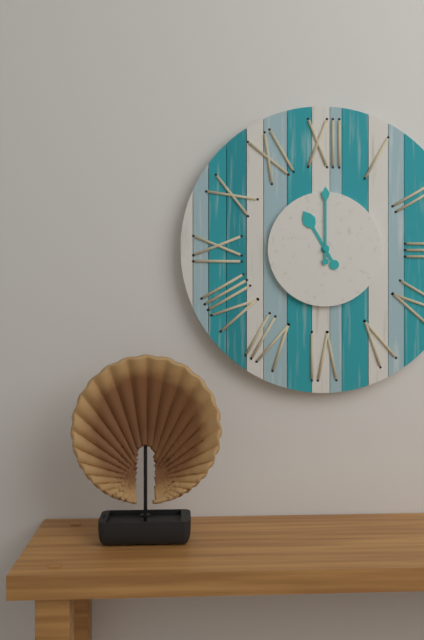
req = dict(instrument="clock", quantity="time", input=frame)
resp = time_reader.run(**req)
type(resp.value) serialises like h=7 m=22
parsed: h=11 m=0
